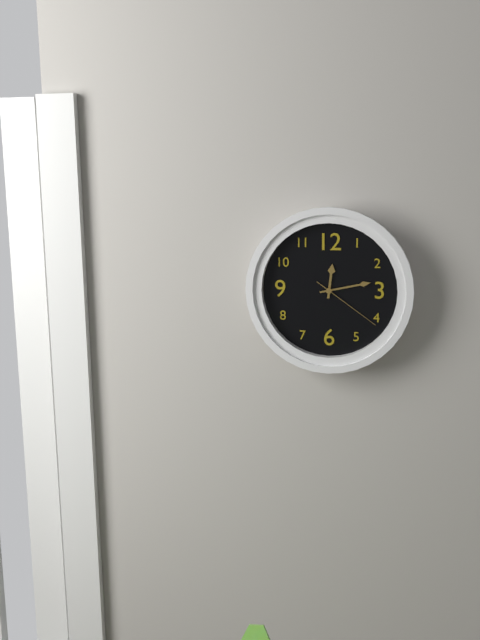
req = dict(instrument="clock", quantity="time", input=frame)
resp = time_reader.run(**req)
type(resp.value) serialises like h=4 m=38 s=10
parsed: h=12 m=13 s=21
